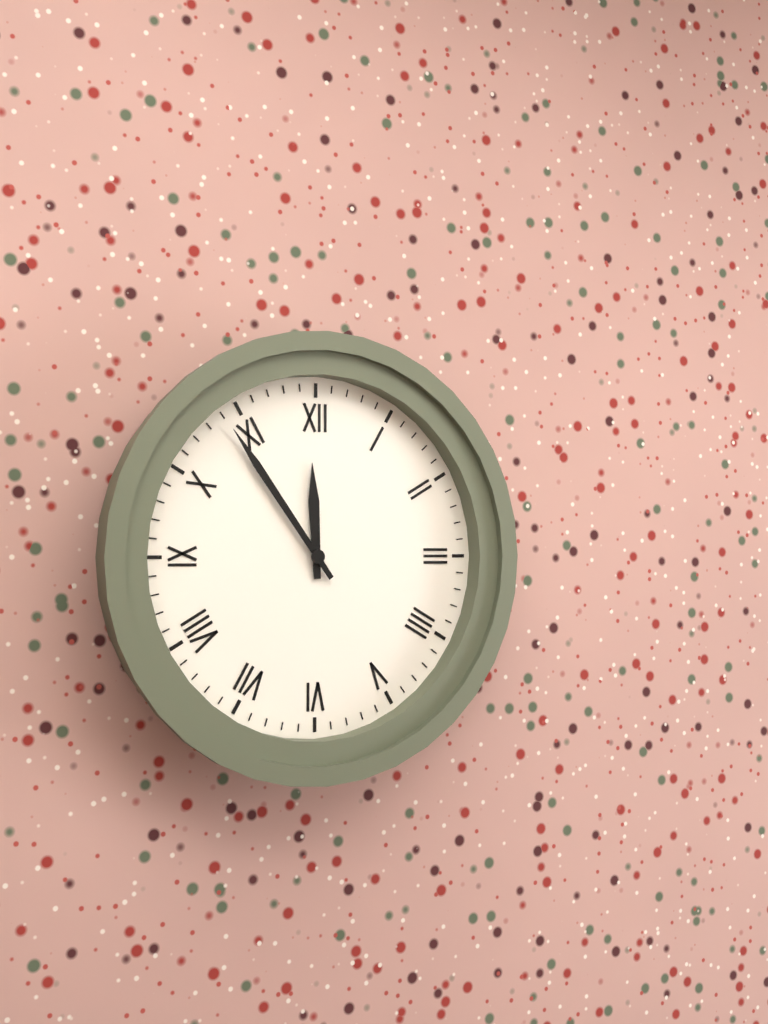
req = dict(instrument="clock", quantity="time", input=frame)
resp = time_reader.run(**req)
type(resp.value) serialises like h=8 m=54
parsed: h=11 m=54
